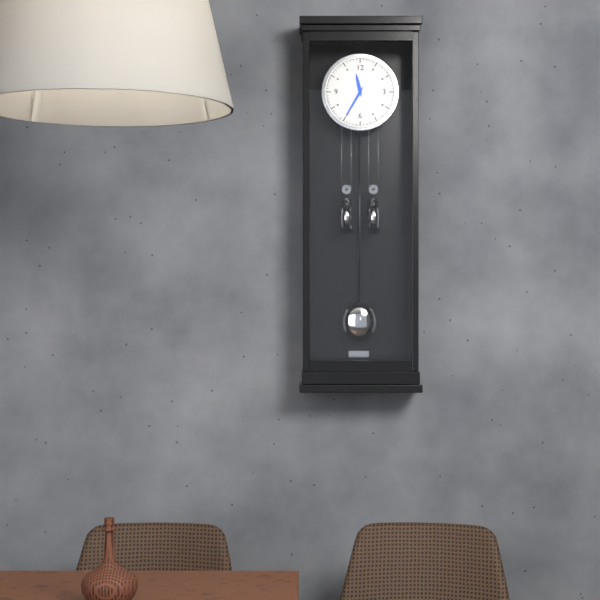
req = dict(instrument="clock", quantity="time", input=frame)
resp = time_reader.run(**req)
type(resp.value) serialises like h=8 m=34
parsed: h=11 m=35
